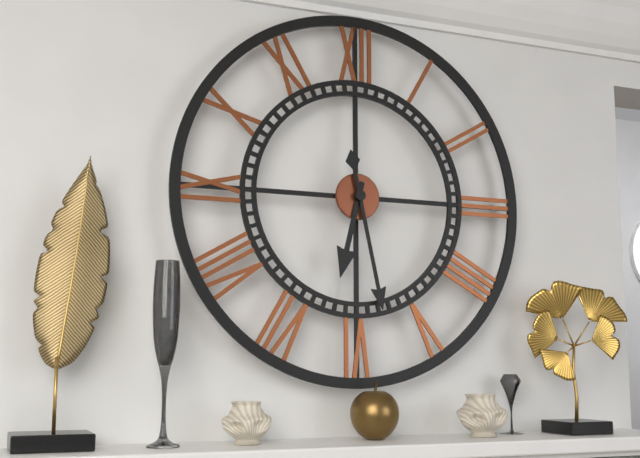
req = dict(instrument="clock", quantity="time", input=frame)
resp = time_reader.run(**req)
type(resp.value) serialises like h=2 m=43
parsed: h=6 m=28
